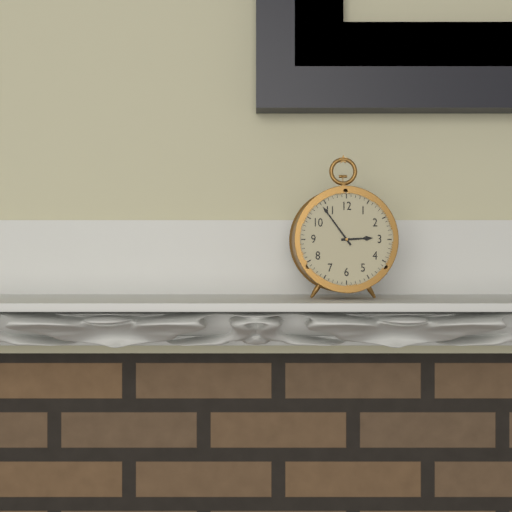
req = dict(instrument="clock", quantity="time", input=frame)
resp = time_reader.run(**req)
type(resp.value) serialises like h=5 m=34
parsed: h=2 m=54
